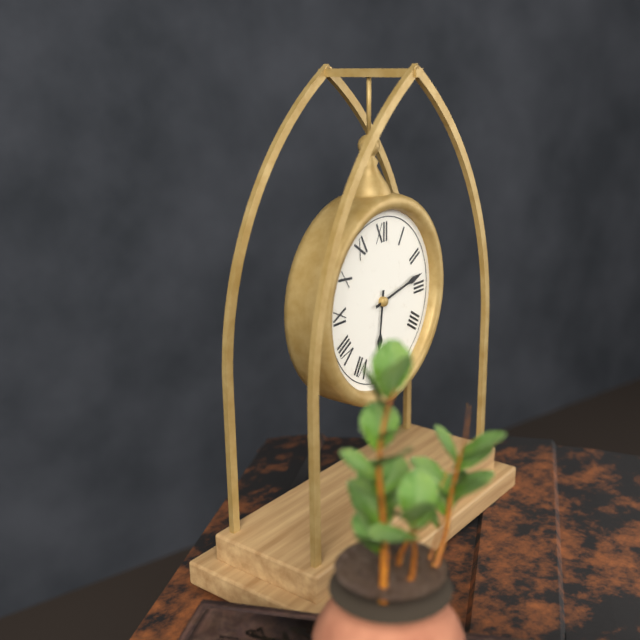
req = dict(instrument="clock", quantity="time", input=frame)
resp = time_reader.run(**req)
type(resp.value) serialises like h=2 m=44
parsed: h=6 m=13
